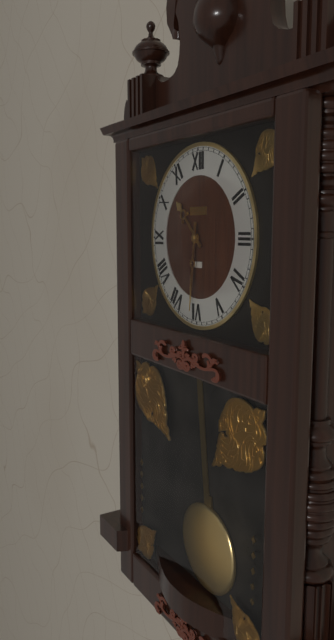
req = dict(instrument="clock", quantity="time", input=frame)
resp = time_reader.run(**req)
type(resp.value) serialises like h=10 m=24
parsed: h=10 m=31
